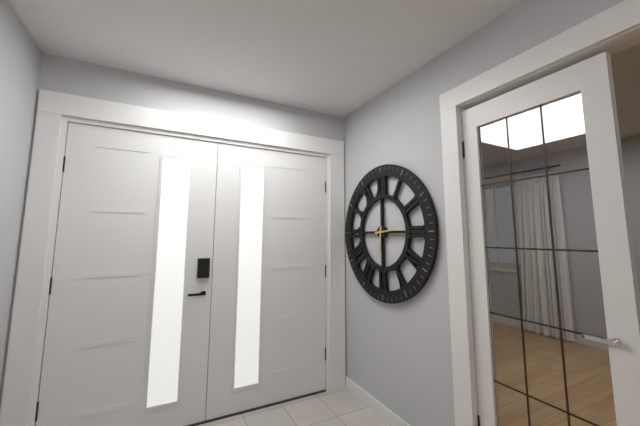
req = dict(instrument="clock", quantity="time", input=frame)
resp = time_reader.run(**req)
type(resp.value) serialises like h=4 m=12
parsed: h=6 m=14
